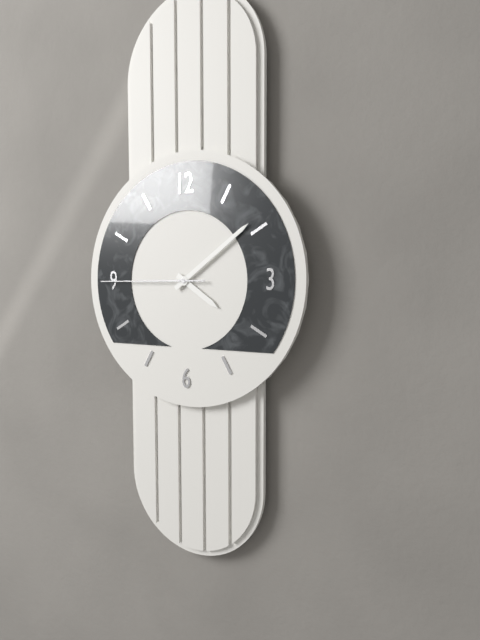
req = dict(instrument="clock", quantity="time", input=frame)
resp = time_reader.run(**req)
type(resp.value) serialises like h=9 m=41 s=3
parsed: h=4 m=9 s=45
